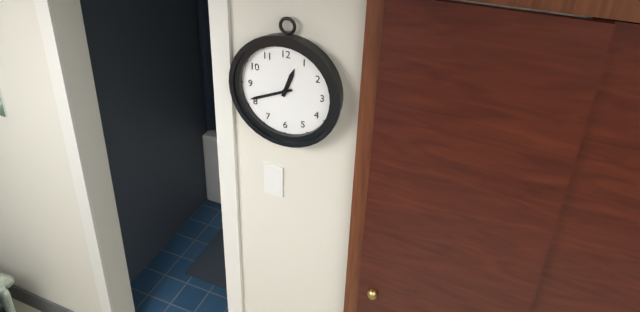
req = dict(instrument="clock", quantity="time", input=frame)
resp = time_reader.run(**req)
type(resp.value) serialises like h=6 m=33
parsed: h=12 m=41
